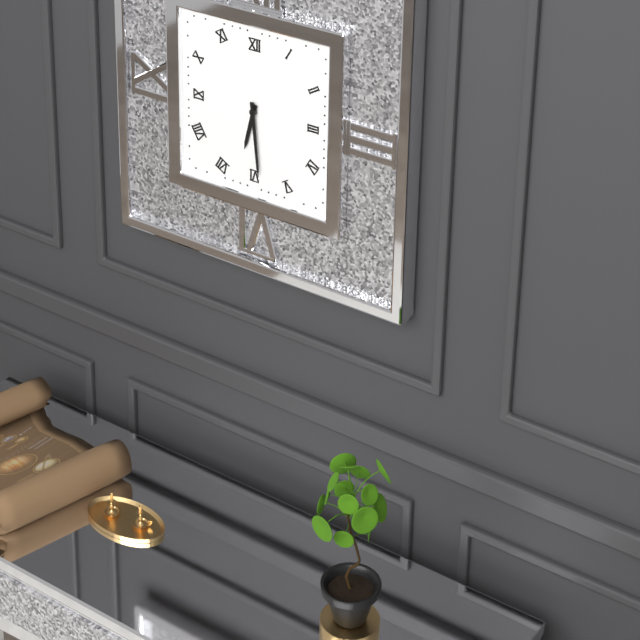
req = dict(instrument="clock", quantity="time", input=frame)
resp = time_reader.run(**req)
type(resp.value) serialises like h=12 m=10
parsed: h=6 m=29
